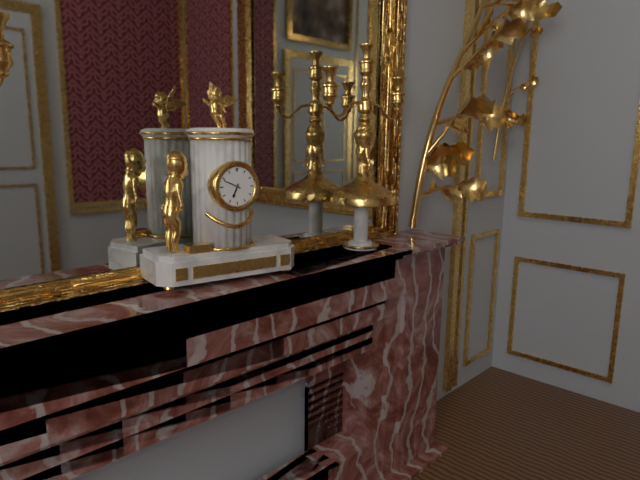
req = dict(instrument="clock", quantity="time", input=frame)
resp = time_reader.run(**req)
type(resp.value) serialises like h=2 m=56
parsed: h=6 m=49
